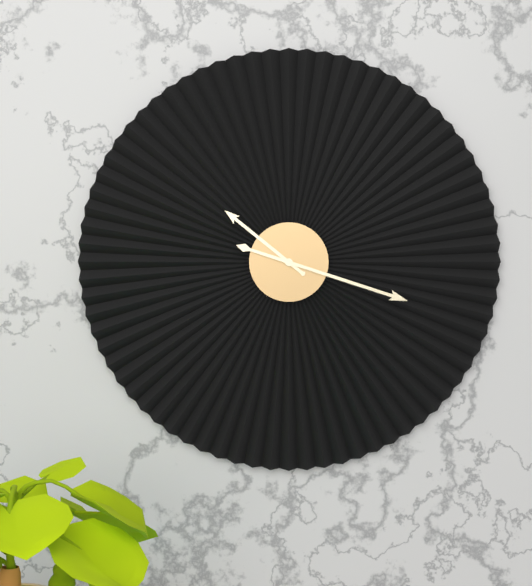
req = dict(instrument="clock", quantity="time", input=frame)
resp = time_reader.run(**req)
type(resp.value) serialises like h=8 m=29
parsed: h=10 m=18
